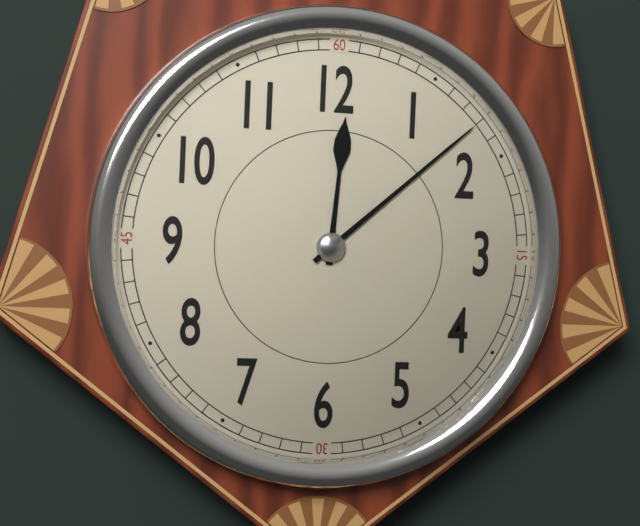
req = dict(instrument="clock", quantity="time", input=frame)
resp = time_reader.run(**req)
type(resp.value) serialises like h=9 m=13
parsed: h=12 m=8
